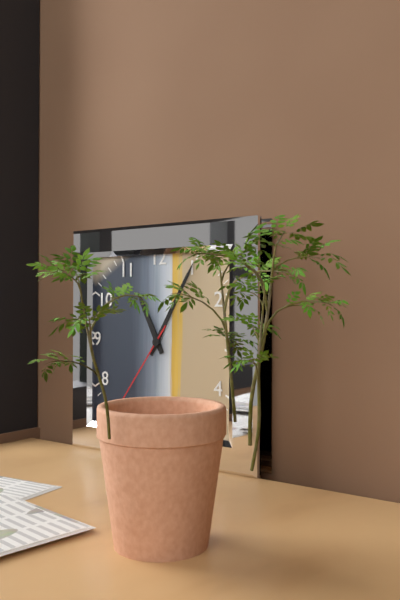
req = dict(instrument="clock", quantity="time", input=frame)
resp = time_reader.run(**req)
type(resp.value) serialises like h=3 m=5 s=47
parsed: h=11 m=5 s=36
